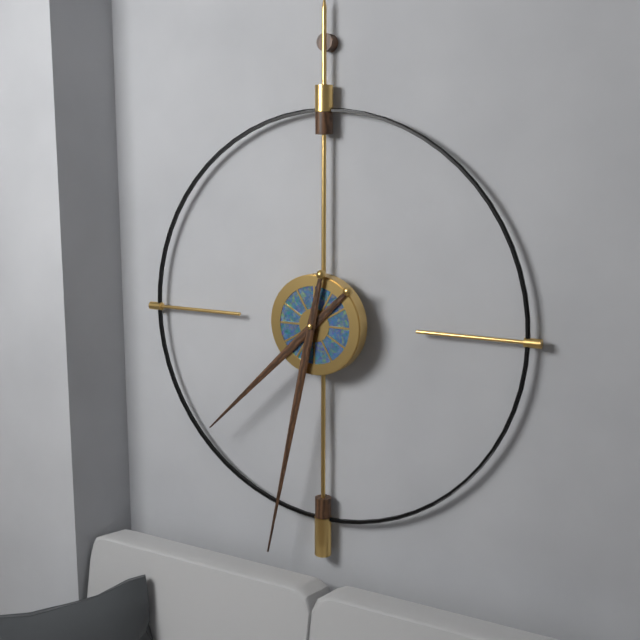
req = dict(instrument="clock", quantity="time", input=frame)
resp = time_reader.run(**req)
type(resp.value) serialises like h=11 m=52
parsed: h=7 m=32
